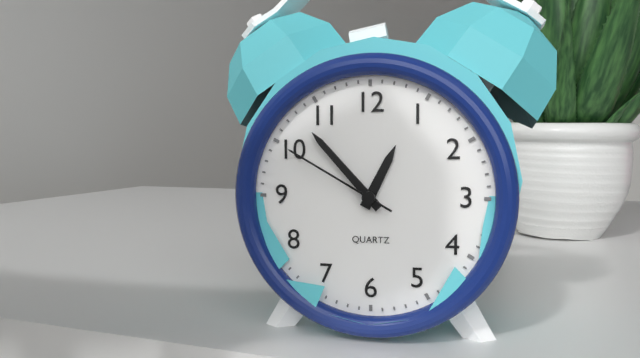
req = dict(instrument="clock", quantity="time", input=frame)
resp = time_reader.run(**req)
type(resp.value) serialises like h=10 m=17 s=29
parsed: h=12 m=53 s=50
